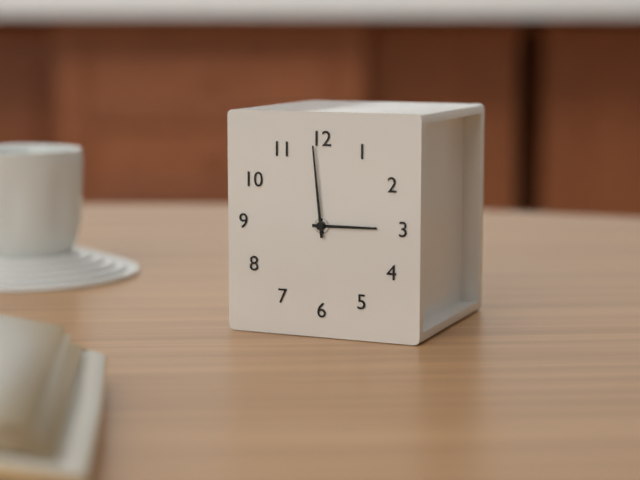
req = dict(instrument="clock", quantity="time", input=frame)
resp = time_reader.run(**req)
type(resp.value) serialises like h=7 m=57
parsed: h=2 m=59
